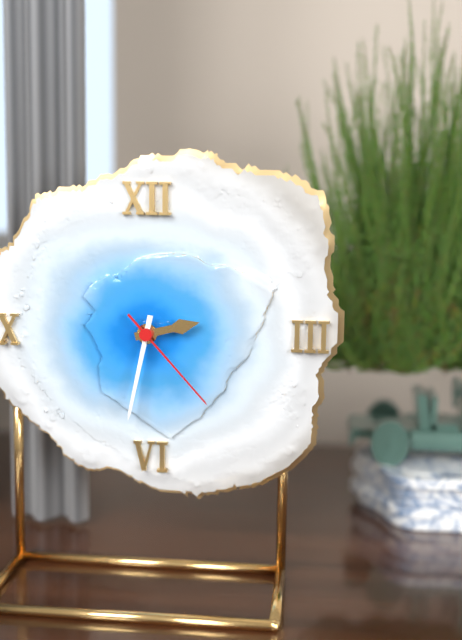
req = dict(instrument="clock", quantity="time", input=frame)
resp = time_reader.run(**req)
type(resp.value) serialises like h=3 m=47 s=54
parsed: h=2 m=32 s=23
